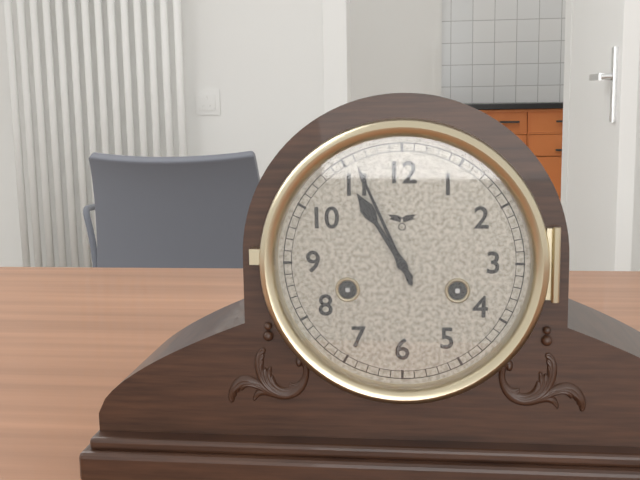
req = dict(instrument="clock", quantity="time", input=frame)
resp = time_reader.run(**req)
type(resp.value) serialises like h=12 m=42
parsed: h=10 m=56
